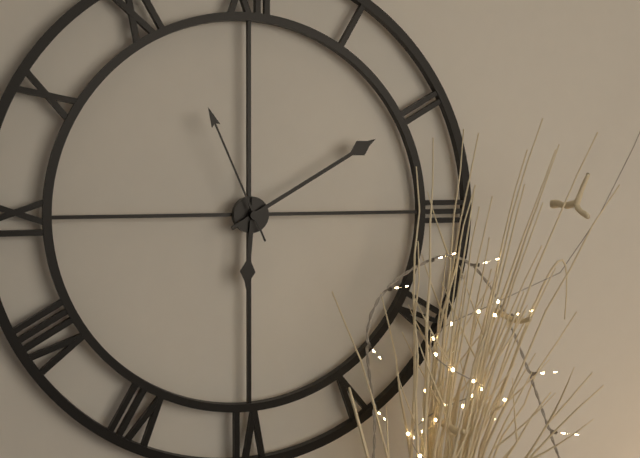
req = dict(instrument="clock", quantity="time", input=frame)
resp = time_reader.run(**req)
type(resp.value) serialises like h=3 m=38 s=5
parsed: h=6 m=10 s=56
